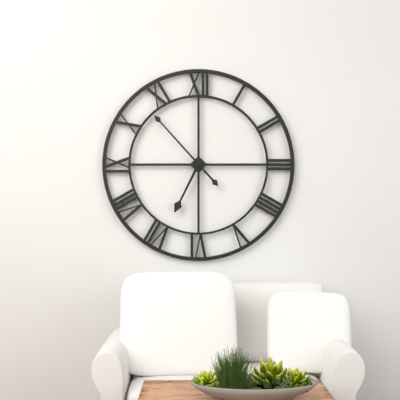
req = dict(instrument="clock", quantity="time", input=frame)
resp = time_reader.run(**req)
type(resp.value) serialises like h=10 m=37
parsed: h=6 m=53
